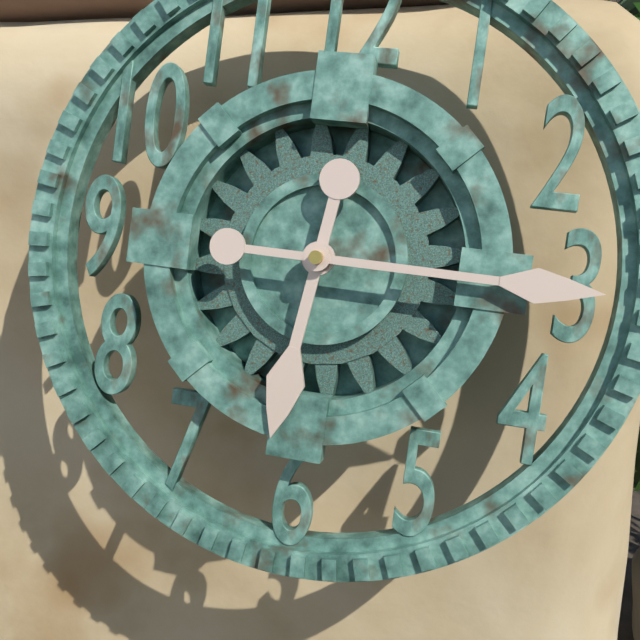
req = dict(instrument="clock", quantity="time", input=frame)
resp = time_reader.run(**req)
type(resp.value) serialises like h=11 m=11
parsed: h=6 m=15
